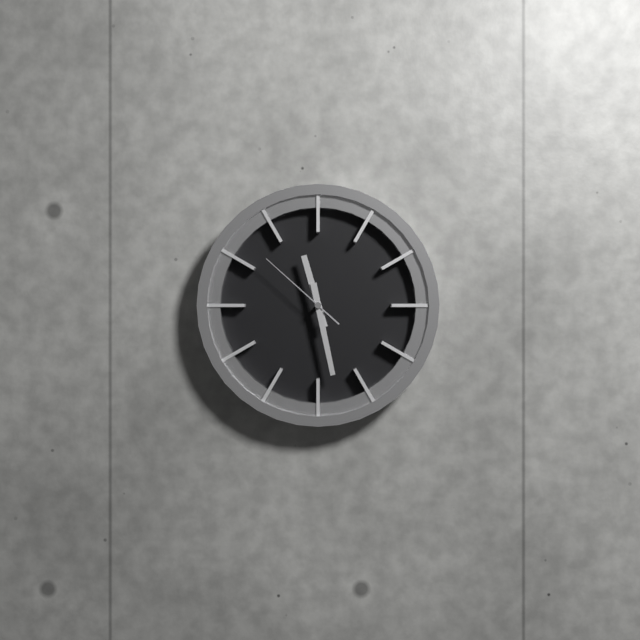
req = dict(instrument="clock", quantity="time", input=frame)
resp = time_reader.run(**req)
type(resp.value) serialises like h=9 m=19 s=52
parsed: h=11 m=28 s=52
